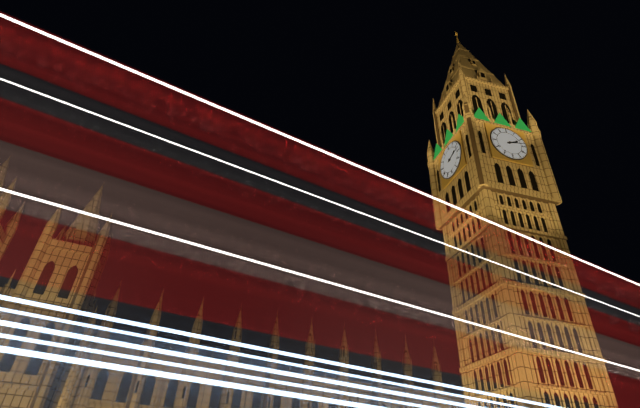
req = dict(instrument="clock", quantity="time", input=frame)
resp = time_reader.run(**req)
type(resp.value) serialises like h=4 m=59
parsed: h=2 m=13
